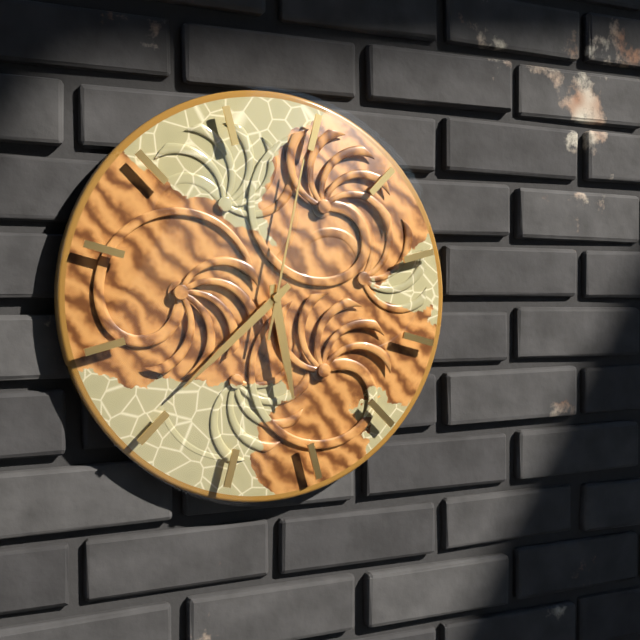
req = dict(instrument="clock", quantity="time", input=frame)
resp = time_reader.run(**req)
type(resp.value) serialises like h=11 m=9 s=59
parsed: h=5 m=38 s=2
